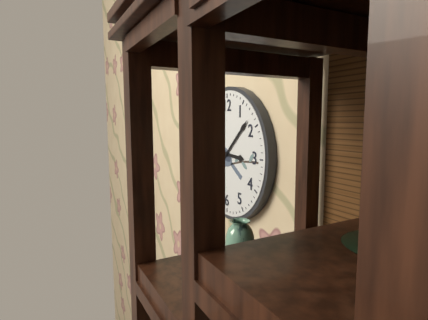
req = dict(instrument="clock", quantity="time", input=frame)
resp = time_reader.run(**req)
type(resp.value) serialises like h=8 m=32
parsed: h=3 m=8
